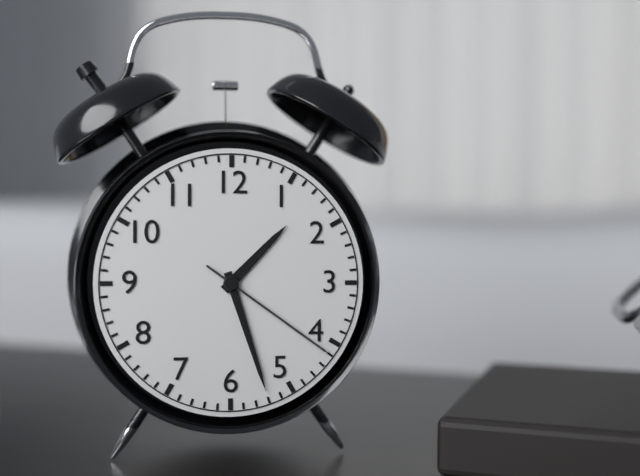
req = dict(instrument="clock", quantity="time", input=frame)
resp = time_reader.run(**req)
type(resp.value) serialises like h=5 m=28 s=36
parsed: h=1 m=27 s=21
